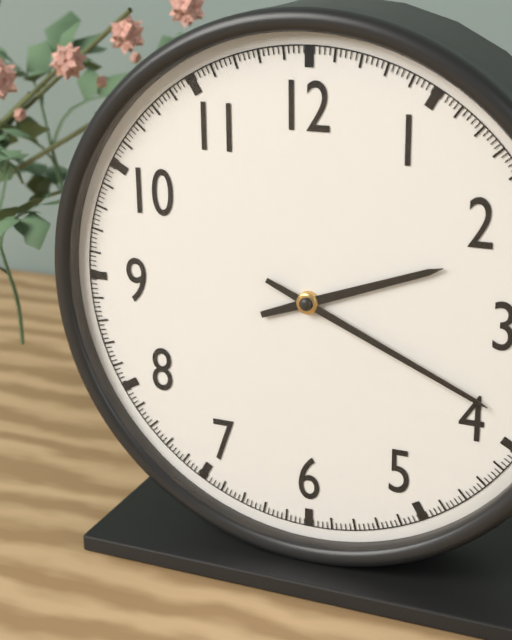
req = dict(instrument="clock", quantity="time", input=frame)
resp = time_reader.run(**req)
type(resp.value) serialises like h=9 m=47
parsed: h=2 m=19
